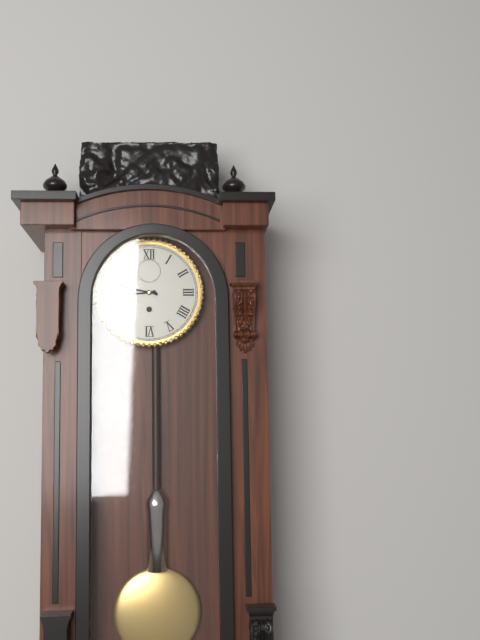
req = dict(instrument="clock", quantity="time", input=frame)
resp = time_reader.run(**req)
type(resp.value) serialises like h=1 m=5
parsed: h=8 m=47
